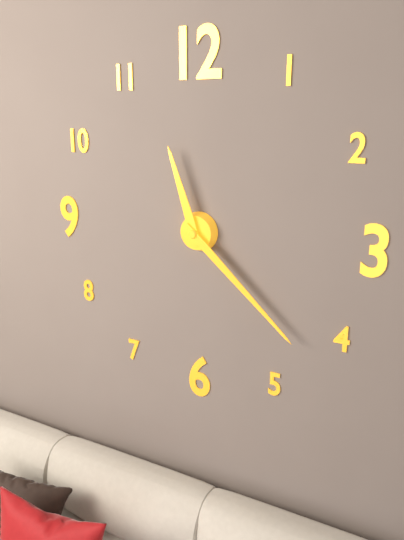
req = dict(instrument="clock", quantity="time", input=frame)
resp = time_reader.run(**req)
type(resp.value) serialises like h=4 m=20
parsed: h=11 m=22
